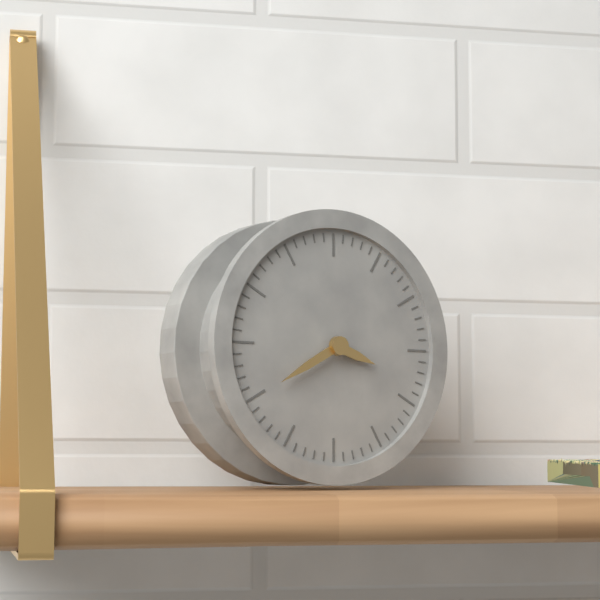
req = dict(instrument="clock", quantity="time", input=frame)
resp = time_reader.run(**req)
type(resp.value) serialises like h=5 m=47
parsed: h=3 m=40
